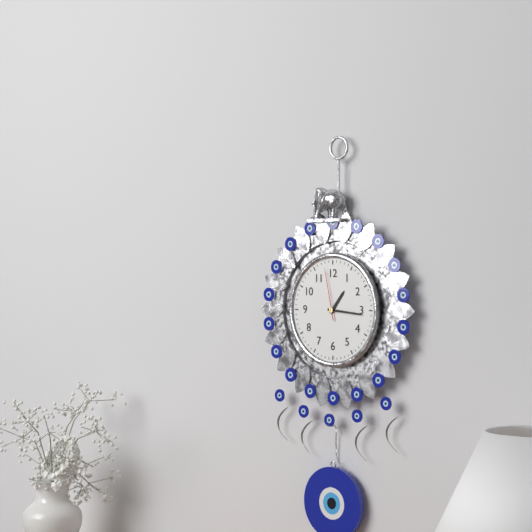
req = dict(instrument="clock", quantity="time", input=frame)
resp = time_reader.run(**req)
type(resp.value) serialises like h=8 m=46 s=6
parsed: h=1 m=16 s=58
